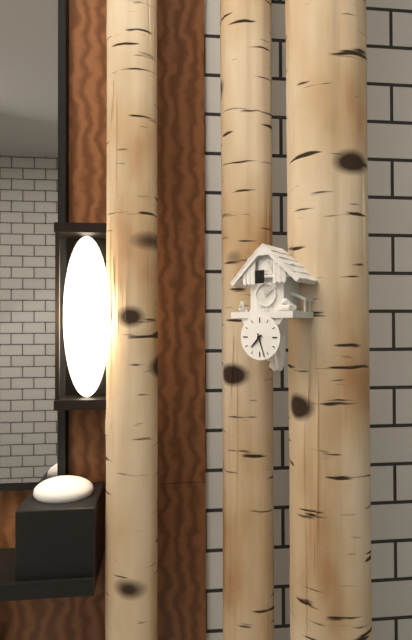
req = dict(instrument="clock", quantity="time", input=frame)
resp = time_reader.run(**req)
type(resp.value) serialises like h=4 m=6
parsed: h=7 m=27
